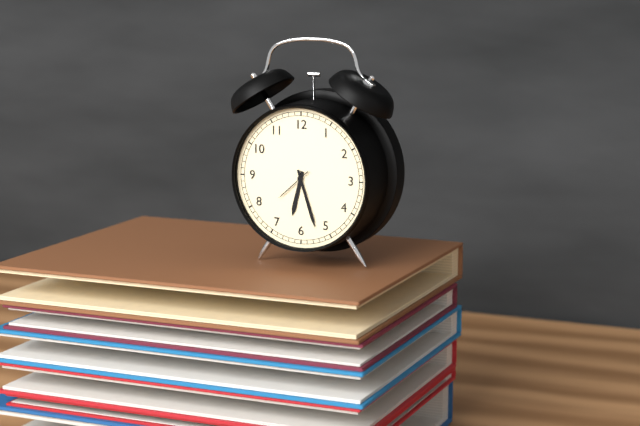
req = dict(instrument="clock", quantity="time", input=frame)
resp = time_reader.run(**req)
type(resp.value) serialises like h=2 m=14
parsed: h=6 m=27
